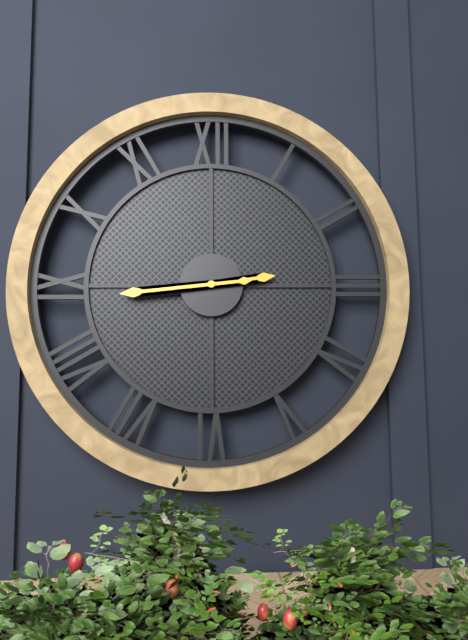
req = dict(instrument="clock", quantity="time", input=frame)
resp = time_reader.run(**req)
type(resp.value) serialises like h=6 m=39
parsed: h=2 m=44
